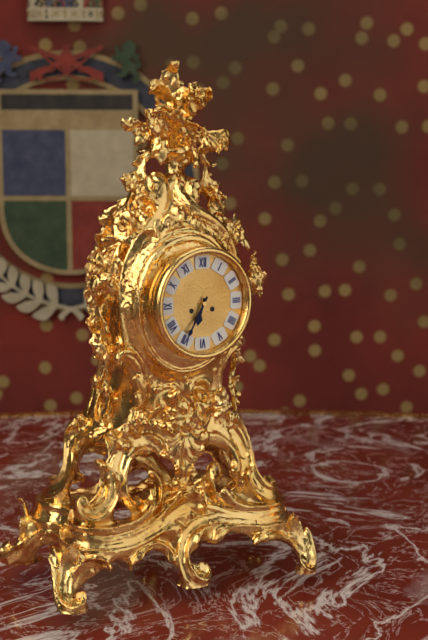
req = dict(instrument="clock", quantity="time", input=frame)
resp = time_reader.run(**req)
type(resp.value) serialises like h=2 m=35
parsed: h=6 m=35
